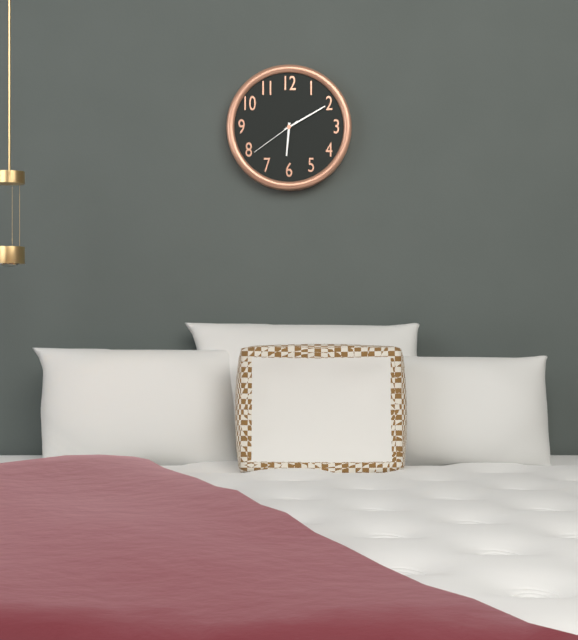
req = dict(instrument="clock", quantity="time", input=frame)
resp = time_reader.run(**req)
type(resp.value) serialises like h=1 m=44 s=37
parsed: h=6 m=10 s=39
